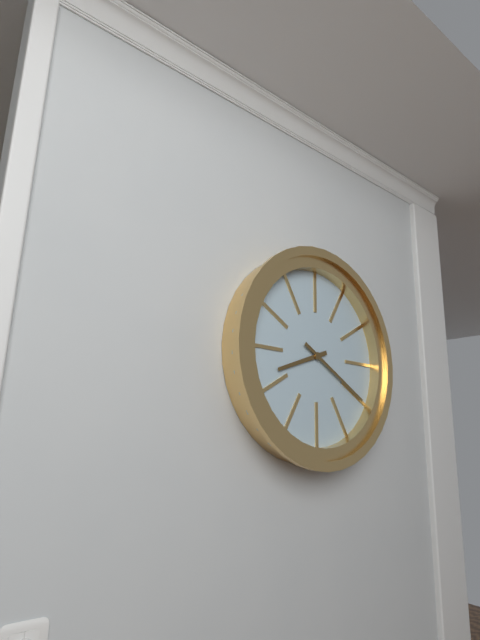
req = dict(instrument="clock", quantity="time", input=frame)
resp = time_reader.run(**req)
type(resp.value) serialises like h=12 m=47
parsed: h=8 m=20
